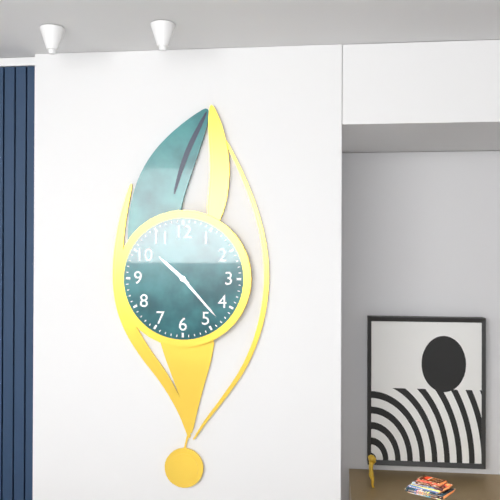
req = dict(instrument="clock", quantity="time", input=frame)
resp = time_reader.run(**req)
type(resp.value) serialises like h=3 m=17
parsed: h=10 m=23
